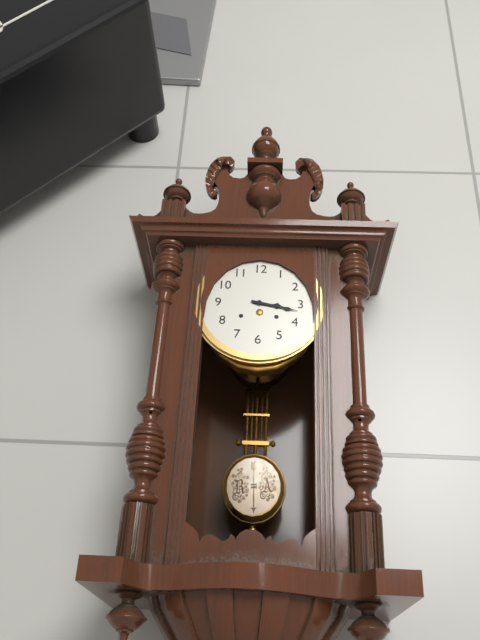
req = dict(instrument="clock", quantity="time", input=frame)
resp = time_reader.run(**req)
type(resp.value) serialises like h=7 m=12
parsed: h=3 m=17
